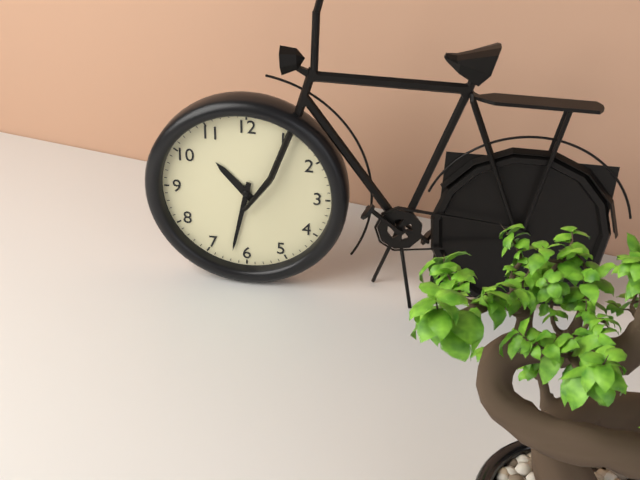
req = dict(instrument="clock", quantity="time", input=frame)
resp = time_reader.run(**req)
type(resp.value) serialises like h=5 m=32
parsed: h=10 m=32
